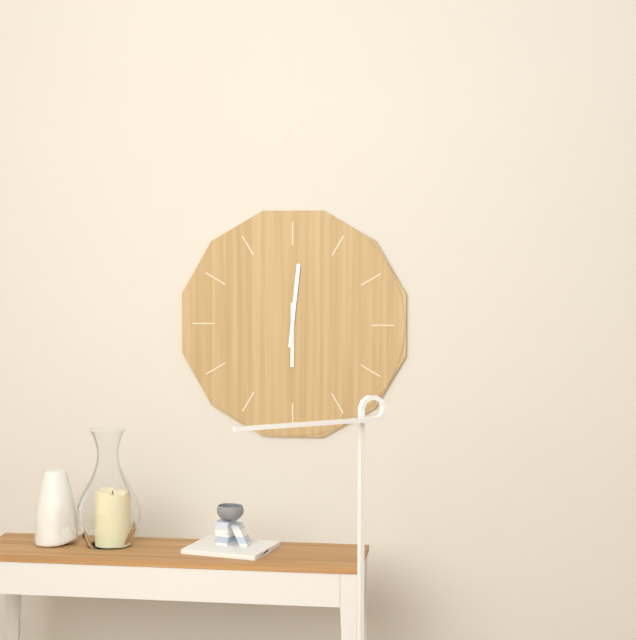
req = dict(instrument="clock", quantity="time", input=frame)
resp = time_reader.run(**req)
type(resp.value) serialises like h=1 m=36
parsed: h=6 m=1
